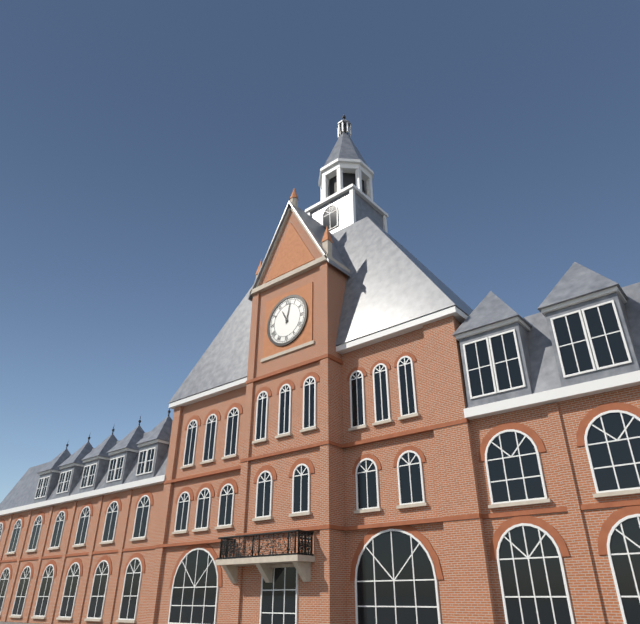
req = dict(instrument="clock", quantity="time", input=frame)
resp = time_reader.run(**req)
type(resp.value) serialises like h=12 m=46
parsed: h=11 m=2
